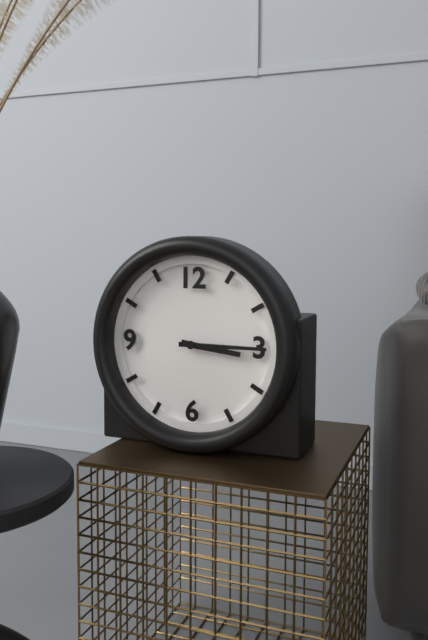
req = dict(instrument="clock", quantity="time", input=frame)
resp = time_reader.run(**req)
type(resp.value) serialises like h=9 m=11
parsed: h=3 m=15
